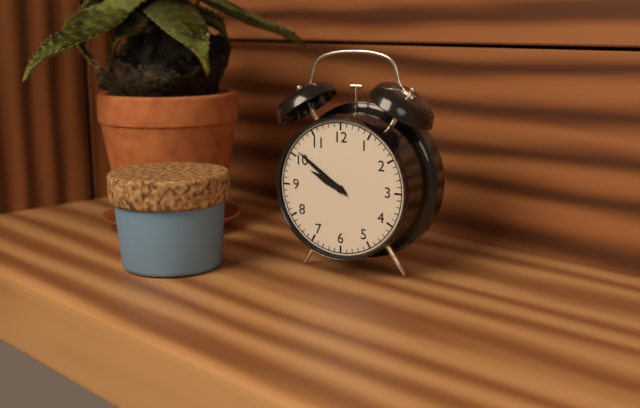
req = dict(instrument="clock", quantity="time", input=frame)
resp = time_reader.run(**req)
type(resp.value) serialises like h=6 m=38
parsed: h=9 m=51
